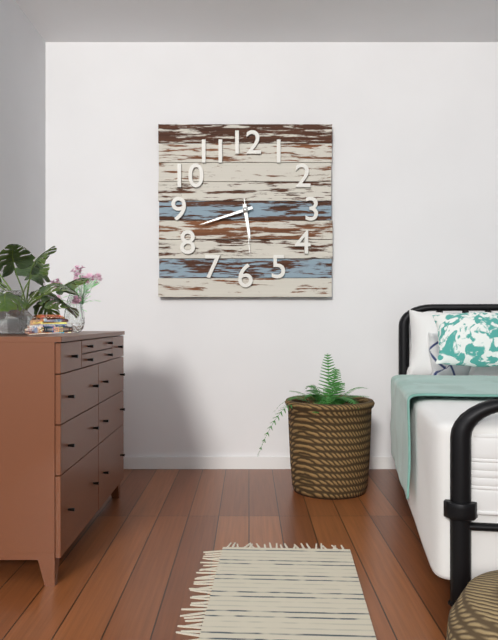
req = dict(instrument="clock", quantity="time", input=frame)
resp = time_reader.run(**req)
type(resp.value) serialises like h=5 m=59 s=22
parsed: h=5 m=42 s=29
